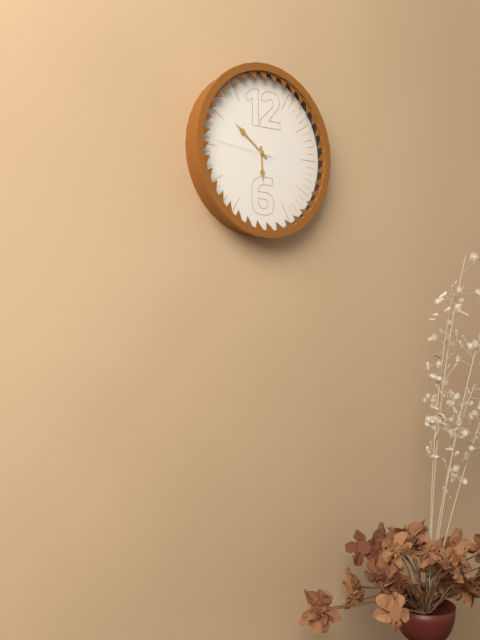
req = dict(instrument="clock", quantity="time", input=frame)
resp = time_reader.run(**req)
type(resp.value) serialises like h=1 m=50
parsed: h=5 m=51
